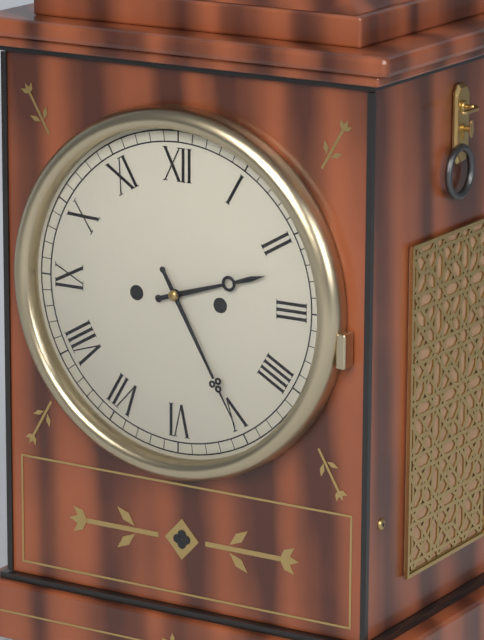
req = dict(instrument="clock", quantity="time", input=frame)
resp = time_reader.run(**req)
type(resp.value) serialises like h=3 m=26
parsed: h=2 m=25
